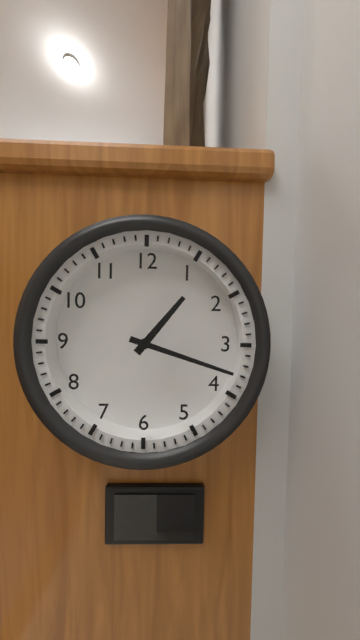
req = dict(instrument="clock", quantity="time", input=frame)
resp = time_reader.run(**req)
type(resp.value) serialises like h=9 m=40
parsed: h=1 m=18
